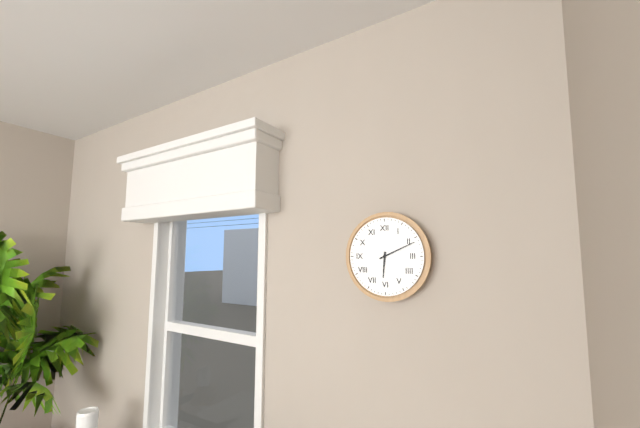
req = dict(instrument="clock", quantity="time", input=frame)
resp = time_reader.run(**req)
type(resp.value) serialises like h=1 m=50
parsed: h=6 m=11
